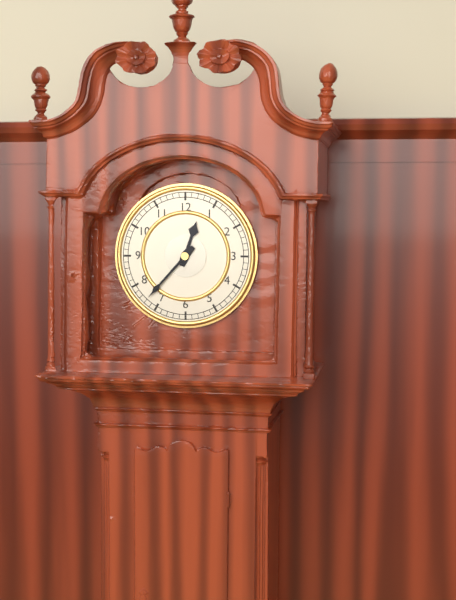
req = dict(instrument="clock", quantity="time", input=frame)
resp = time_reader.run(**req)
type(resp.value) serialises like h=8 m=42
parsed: h=12 m=37
